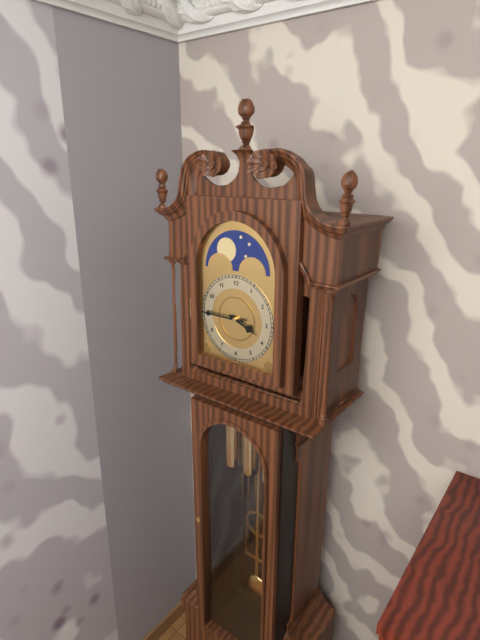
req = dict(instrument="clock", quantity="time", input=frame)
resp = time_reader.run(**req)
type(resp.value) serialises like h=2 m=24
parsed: h=3 m=45
